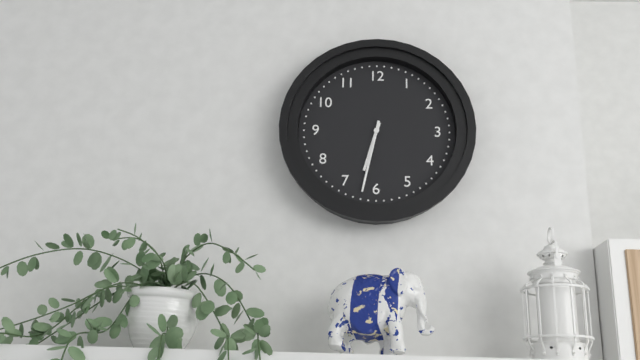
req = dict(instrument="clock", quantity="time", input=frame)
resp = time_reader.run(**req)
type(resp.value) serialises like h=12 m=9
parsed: h=6 m=32
